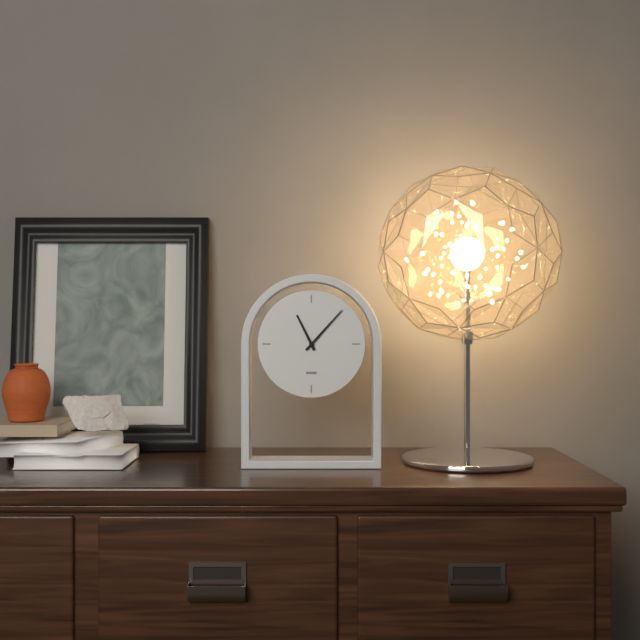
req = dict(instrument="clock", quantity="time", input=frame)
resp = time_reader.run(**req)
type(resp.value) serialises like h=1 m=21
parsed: h=11 m=7
